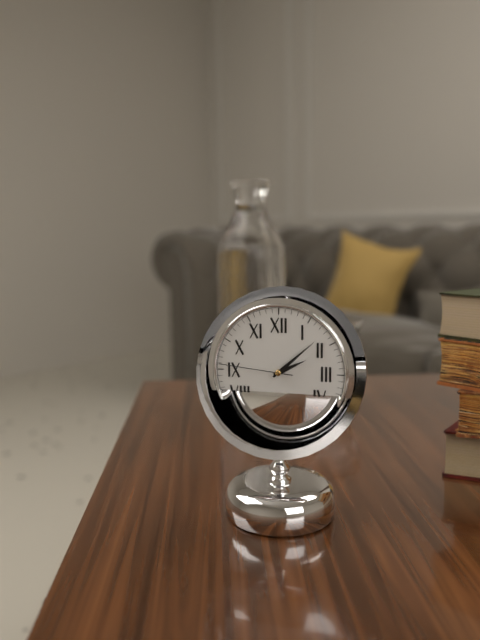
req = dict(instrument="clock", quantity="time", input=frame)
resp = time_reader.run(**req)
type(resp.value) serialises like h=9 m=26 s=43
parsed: h=2 m=8 s=46
